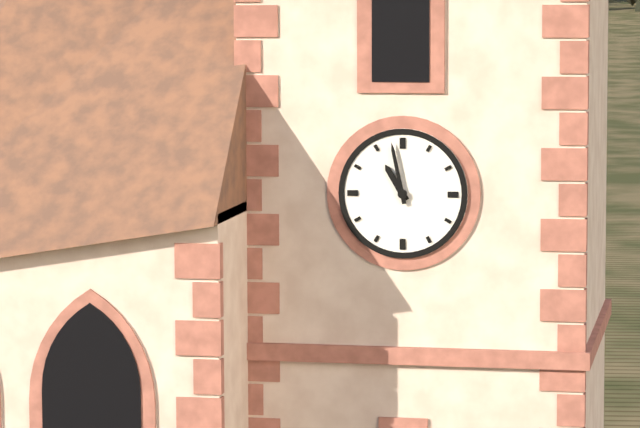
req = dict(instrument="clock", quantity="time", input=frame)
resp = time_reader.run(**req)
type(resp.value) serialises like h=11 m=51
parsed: h=10 m=58
